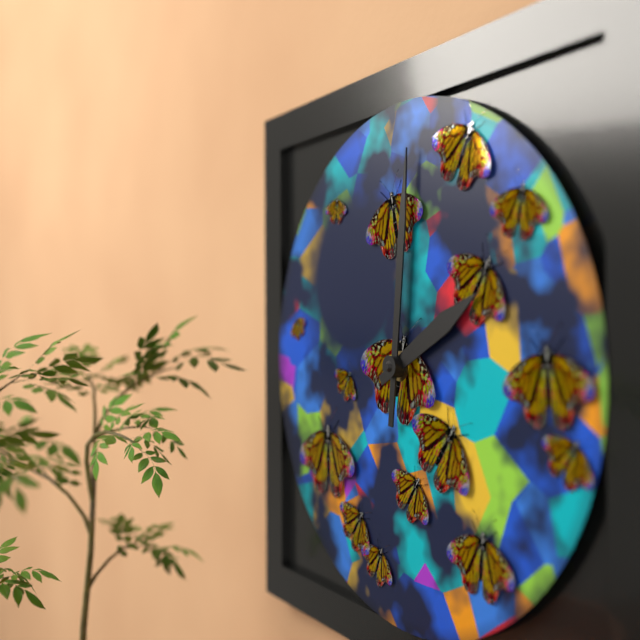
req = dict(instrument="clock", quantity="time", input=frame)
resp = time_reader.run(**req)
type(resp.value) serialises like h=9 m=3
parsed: h=2 m=1
